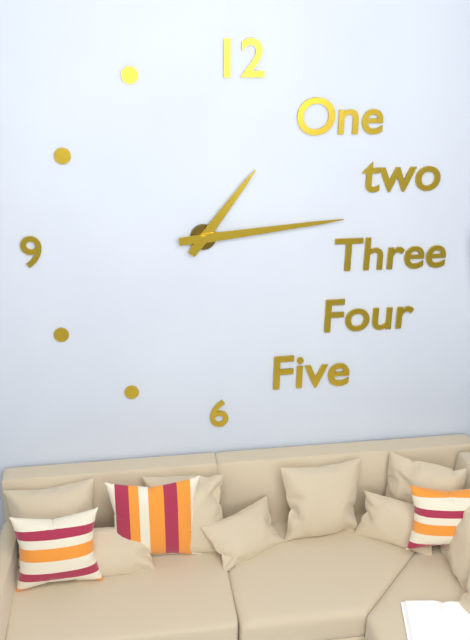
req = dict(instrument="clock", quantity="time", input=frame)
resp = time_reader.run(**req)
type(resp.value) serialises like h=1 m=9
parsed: h=1 m=14
